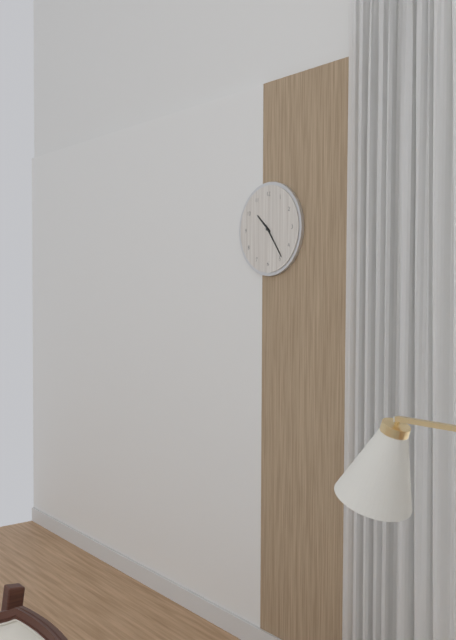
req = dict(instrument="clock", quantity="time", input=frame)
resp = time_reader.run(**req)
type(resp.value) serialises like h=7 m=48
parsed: h=10 m=24
